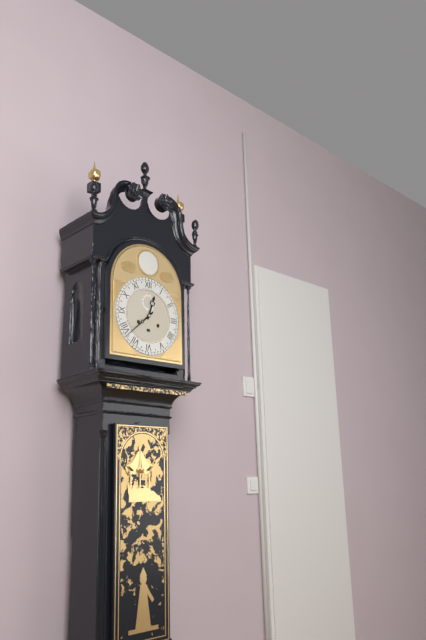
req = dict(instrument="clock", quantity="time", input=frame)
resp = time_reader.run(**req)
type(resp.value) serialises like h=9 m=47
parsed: h=12 m=38
